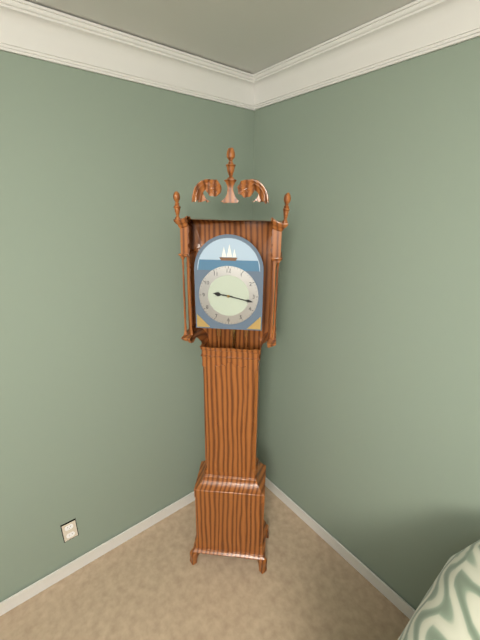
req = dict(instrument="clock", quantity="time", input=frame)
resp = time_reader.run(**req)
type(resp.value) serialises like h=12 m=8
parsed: h=9 m=17
